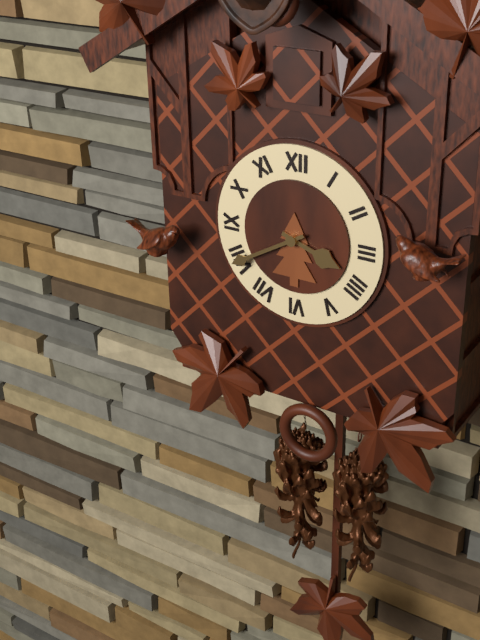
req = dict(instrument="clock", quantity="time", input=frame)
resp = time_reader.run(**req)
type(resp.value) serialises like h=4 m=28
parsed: h=3 m=40
